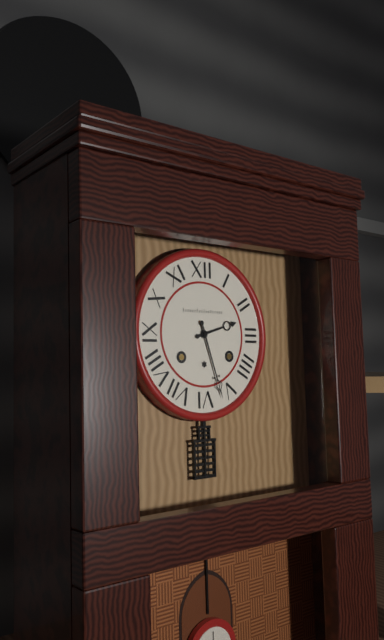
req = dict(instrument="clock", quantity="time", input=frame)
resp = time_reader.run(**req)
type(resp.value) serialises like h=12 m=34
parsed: h=2 m=27
